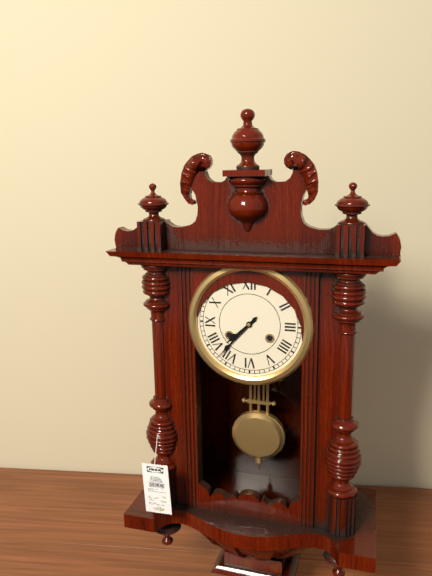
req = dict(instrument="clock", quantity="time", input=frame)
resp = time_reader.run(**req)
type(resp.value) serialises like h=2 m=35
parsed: h=7 m=37
